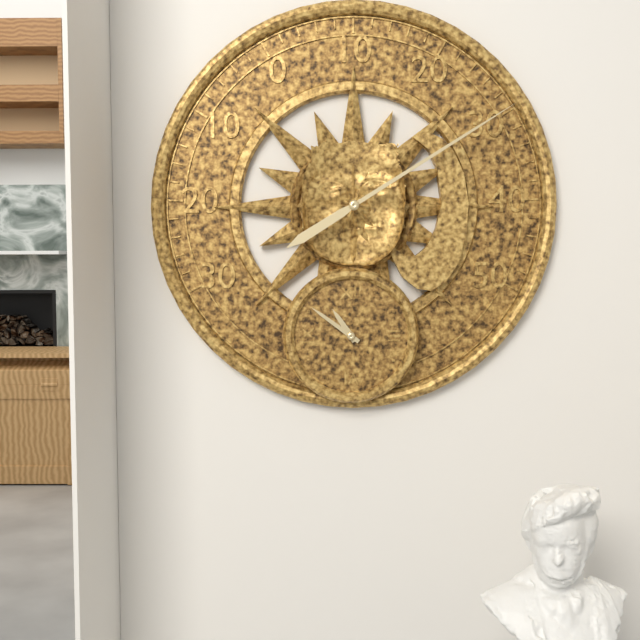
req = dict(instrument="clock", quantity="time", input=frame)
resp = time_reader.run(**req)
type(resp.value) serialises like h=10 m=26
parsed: h=10 m=51
